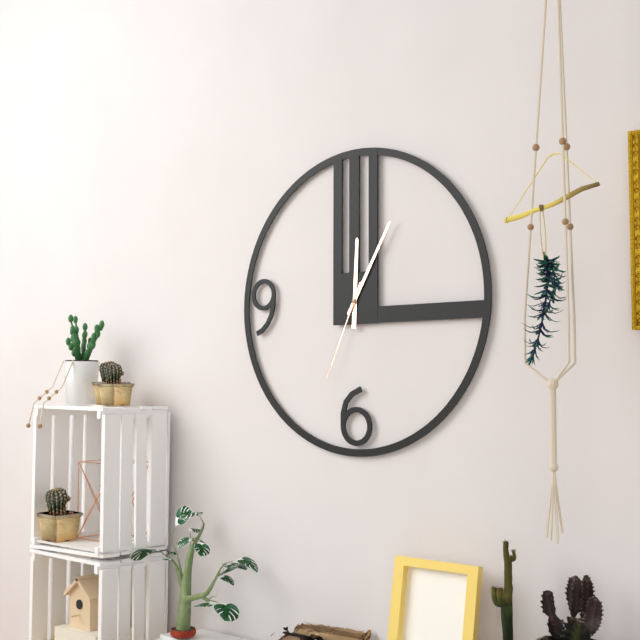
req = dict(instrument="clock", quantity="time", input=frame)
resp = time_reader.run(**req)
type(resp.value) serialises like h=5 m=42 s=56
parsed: h=12 m=5 s=34
